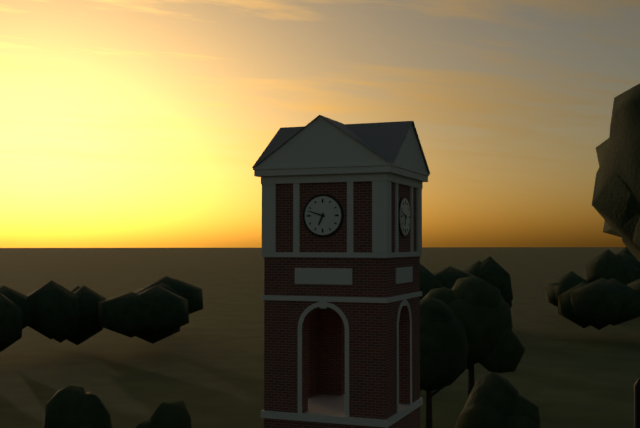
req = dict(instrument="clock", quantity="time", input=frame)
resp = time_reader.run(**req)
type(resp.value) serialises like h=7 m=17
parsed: h=6 m=48
